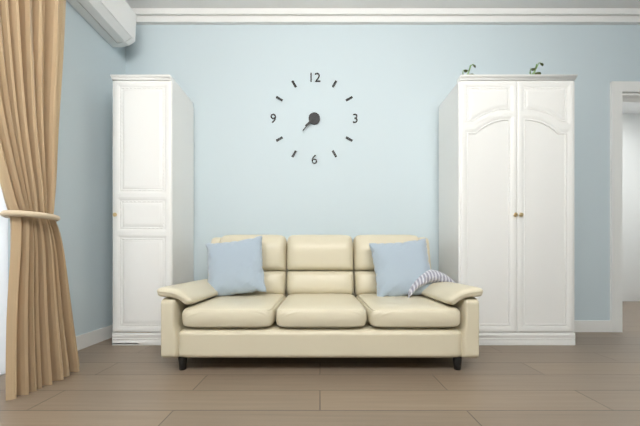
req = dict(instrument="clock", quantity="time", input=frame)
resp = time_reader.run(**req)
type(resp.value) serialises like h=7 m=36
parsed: h=7 m=37
